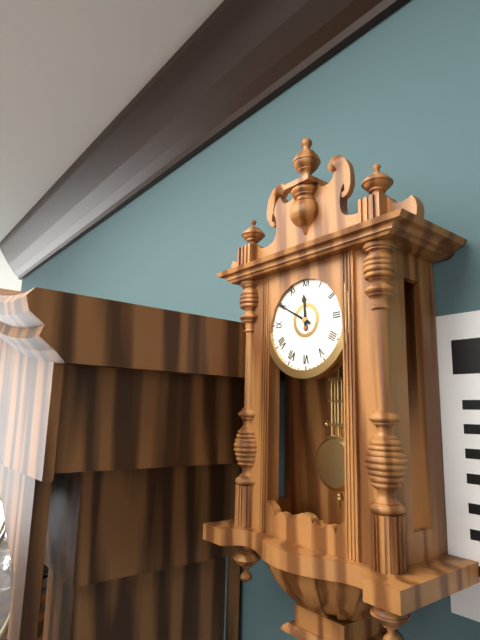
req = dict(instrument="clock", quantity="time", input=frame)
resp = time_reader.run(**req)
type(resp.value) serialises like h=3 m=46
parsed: h=11 m=50
